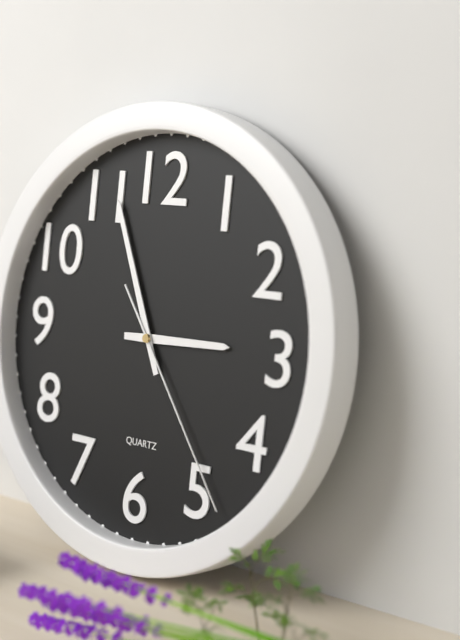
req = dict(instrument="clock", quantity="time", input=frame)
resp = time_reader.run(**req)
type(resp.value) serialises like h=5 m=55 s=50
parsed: h=2 m=56 s=24
